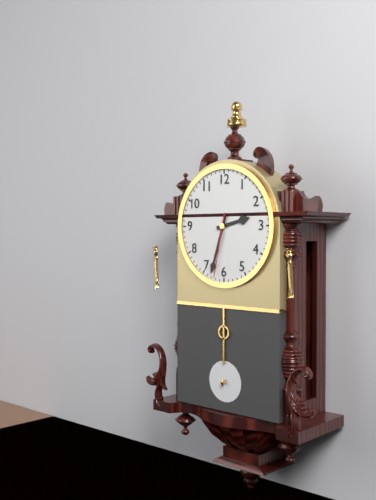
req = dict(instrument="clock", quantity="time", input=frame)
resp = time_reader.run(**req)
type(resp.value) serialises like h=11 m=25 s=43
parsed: h=2 m=33 s=32
